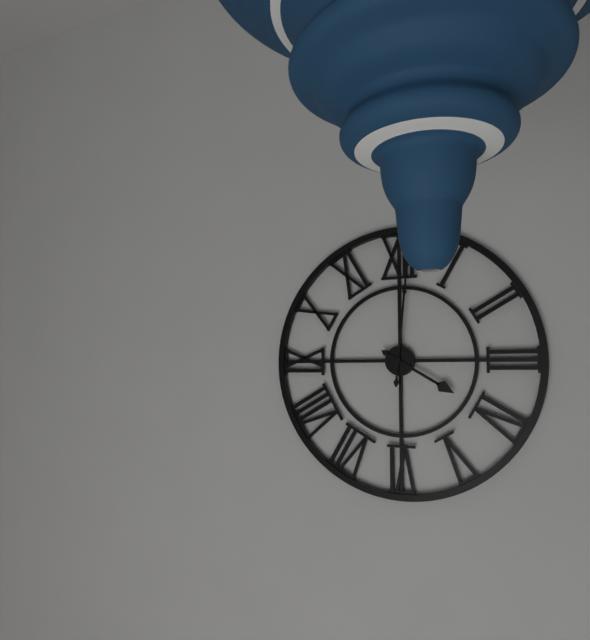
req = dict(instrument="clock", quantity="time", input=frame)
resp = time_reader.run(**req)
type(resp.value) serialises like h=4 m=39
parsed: h=4 m=1
